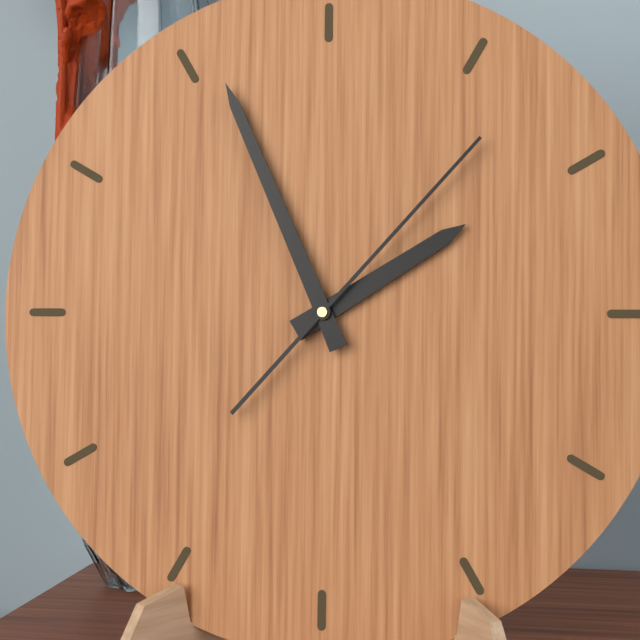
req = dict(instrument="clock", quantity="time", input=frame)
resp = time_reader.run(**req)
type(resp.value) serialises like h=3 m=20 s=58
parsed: h=1 m=56 s=7
